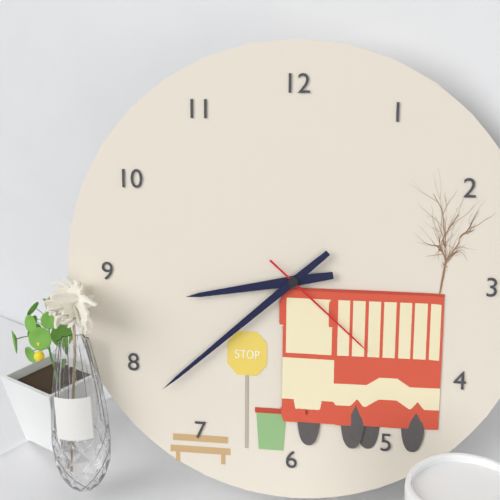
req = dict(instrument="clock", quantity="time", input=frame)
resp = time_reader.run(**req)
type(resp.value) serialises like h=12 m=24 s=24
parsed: h=8 m=38 s=22
